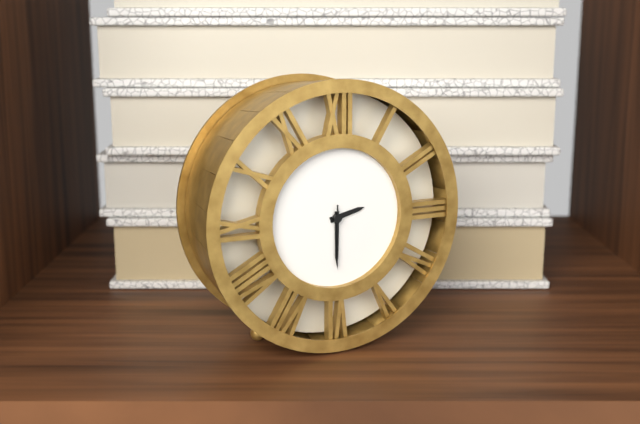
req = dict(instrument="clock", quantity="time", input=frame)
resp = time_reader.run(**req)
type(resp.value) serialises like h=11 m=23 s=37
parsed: h=2 m=30 s=30
